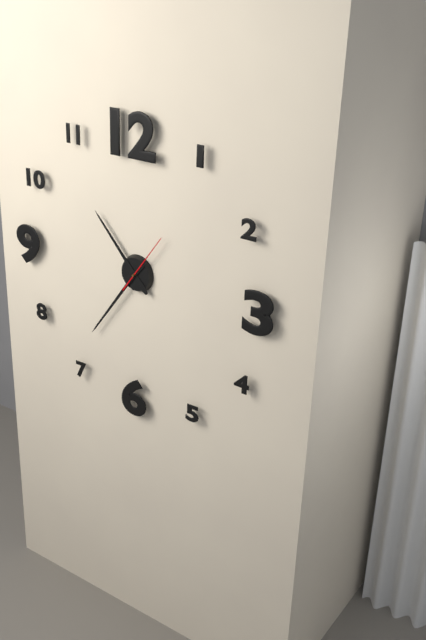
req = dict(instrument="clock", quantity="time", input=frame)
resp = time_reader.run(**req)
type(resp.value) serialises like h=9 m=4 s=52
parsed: h=10 m=36 s=6
